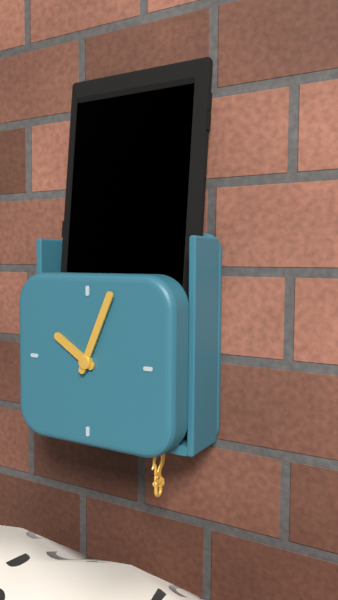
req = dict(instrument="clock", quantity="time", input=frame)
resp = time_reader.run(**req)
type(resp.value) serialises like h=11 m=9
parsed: h=10 m=4
